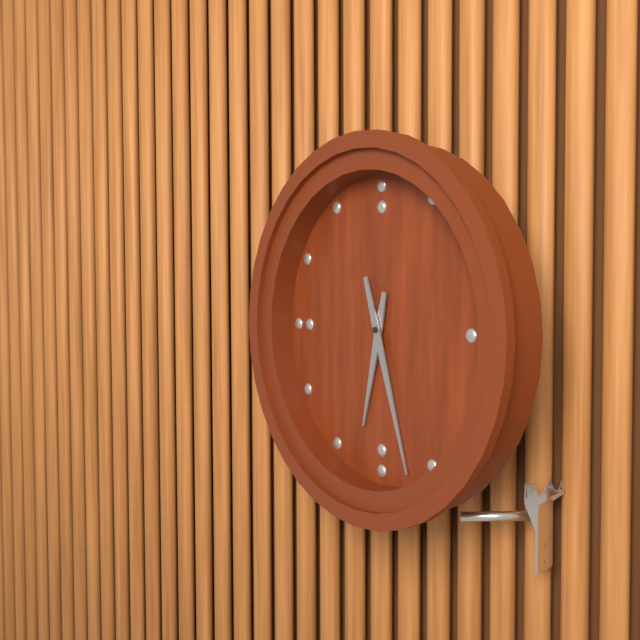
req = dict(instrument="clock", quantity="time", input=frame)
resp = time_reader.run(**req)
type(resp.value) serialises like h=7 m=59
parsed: h=6 m=27
